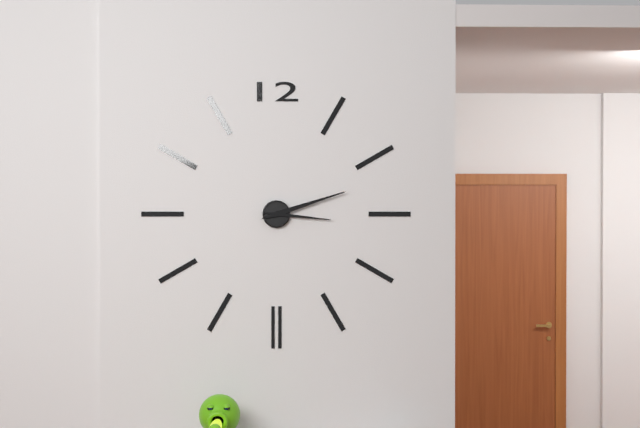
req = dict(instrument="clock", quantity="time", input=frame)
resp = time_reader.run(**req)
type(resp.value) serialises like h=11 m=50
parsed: h=3 m=12
